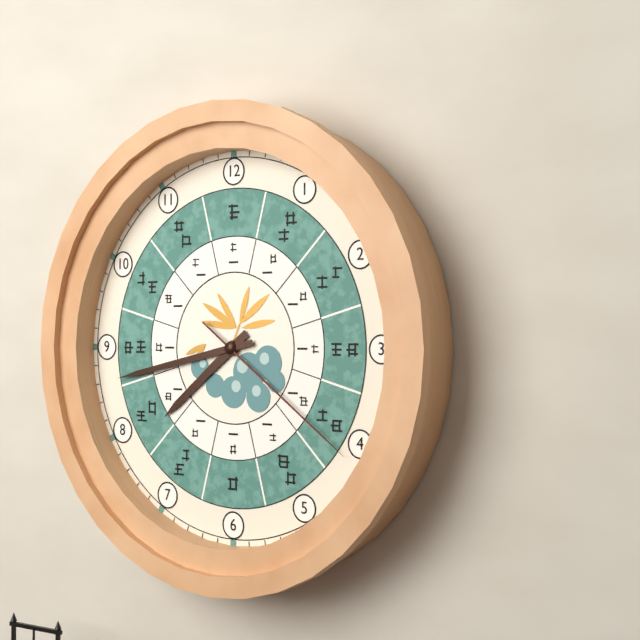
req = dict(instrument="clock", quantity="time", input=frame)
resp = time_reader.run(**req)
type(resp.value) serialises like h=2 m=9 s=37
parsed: h=7 m=43 s=21
